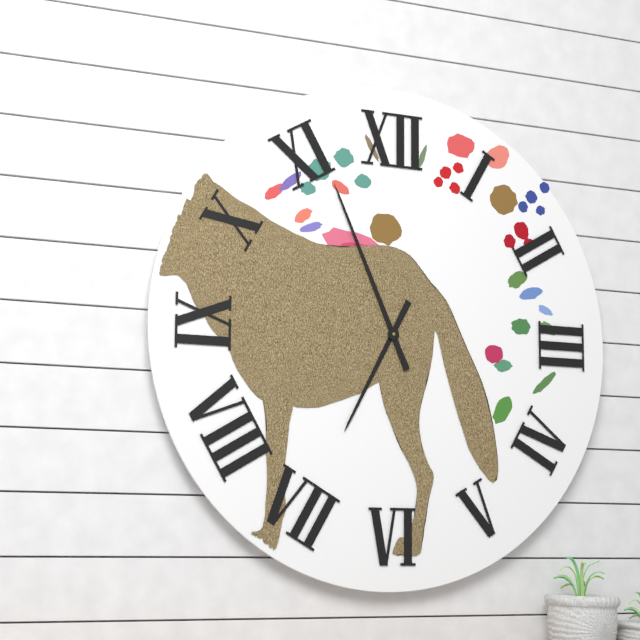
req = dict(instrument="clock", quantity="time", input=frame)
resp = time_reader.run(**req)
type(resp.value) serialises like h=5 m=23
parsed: h=6 m=56
